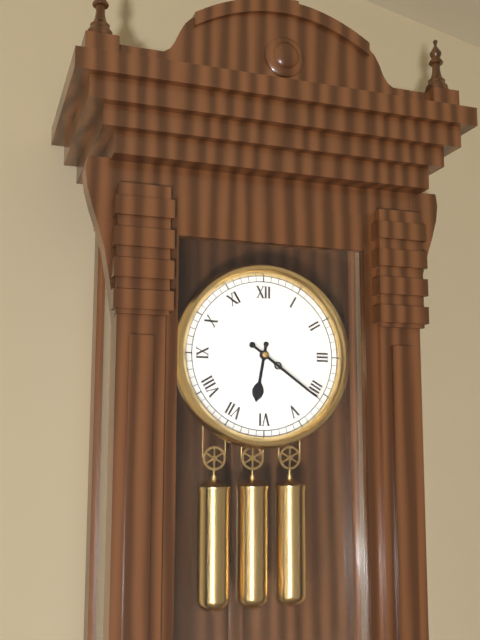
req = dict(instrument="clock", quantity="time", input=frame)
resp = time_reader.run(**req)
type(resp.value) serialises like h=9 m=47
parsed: h=6 m=21
